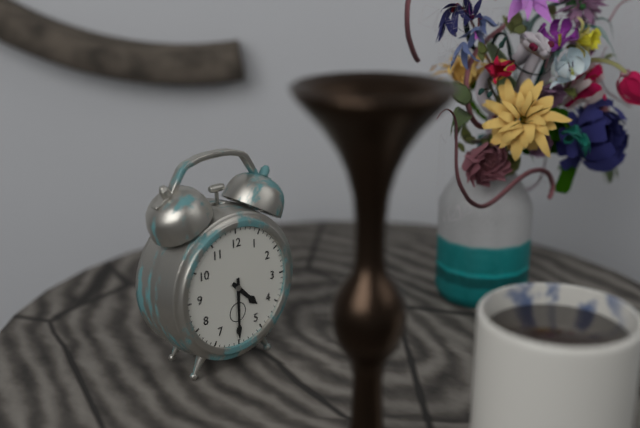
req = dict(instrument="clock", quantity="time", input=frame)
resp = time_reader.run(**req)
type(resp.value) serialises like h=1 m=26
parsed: h=4 m=30
